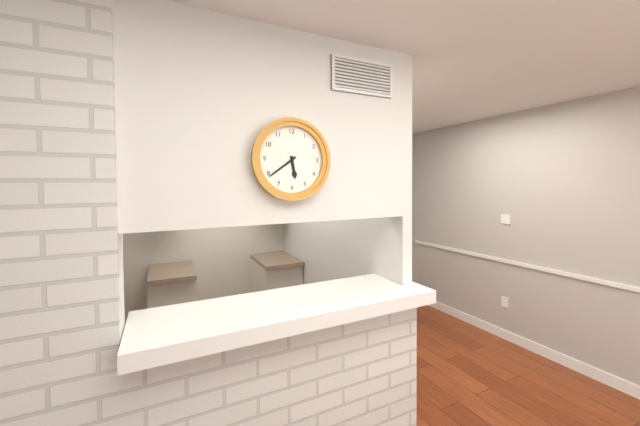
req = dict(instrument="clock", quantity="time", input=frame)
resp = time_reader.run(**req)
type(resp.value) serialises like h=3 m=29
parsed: h=5 m=39
